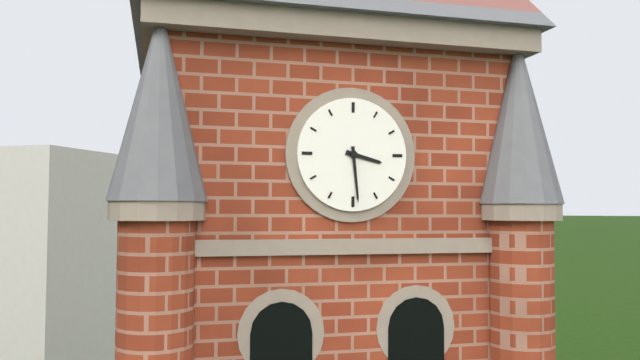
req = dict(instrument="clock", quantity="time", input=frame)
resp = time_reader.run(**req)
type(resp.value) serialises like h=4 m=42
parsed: h=3 m=29
